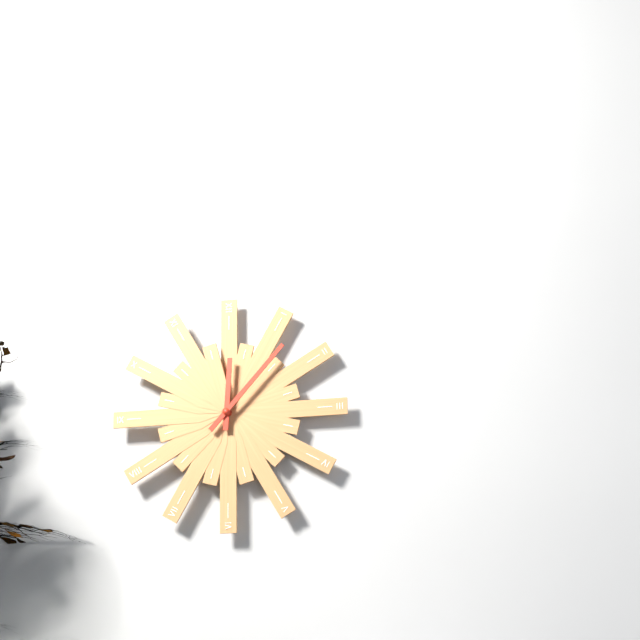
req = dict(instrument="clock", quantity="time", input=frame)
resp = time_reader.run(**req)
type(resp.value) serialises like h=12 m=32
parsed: h=12 m=7
